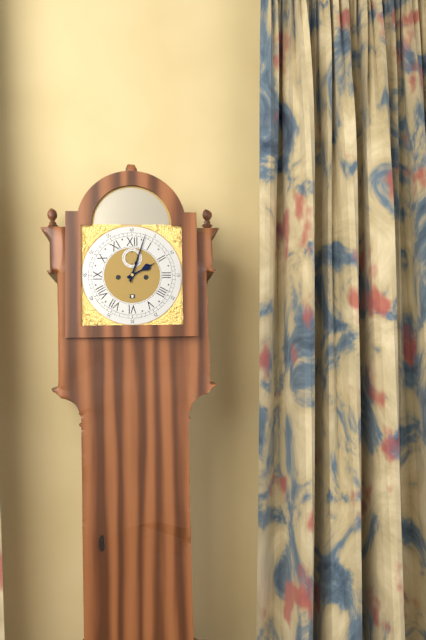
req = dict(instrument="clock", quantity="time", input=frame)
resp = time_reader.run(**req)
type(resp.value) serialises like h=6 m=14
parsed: h=2 m=3
